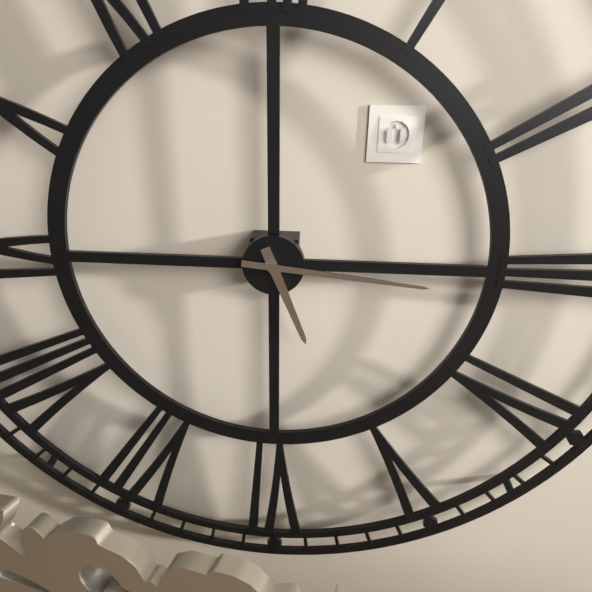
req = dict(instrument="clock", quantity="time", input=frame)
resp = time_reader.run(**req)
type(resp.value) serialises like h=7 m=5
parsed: h=5 m=16
